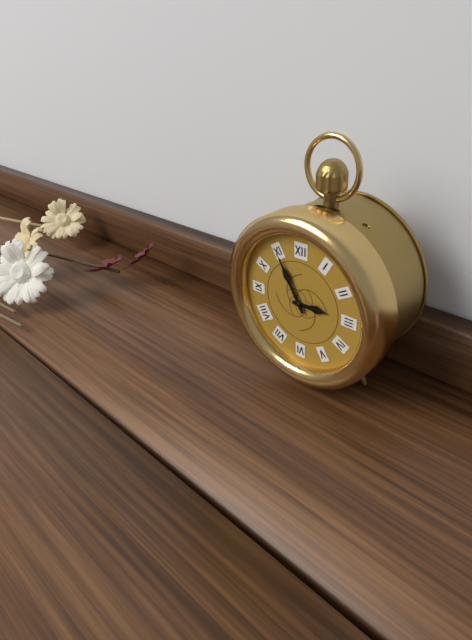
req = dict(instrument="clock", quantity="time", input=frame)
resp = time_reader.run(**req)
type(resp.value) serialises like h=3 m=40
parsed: h=2 m=55
